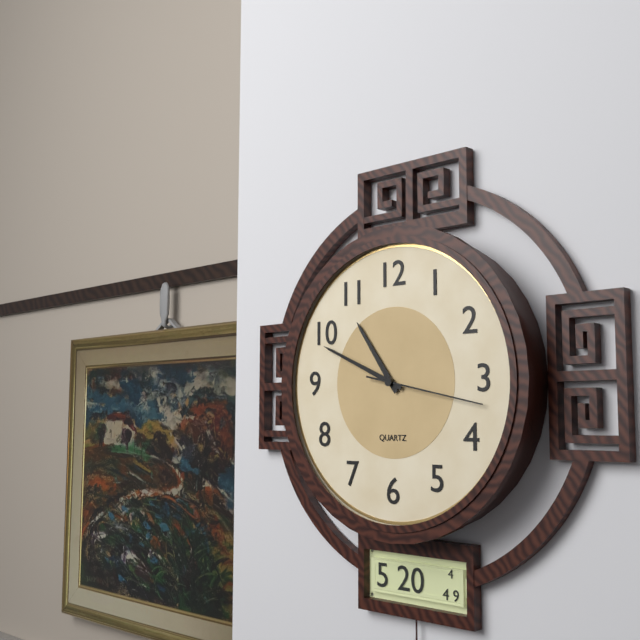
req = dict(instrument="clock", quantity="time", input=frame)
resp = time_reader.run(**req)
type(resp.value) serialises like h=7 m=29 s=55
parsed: h=10 m=49 s=17
